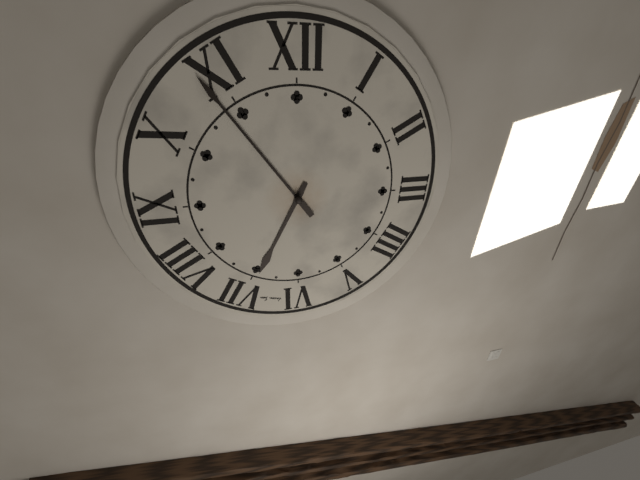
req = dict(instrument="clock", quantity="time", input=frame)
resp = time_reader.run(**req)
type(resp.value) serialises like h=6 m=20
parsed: h=6 m=54
